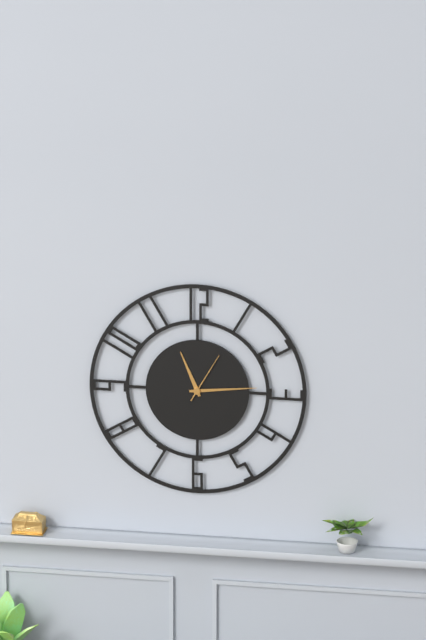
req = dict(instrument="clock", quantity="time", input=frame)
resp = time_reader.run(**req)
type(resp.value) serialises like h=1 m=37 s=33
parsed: h=11 m=14 s=5
